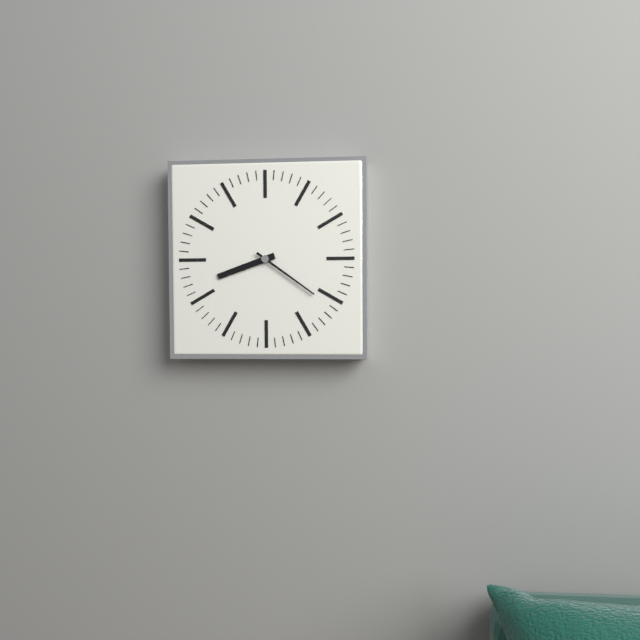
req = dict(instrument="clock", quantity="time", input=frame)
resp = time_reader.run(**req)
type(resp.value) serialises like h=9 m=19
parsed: h=8 m=21
